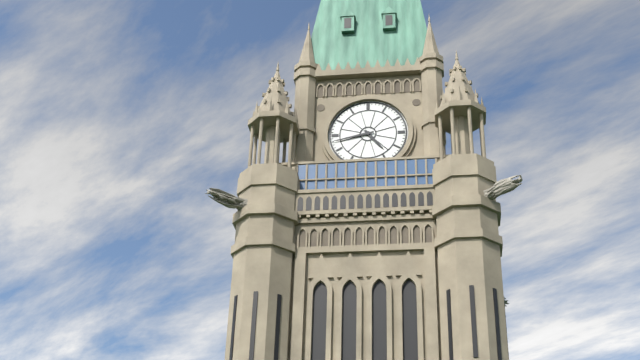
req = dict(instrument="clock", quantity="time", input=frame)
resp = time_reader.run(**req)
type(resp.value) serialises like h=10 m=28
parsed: h=4 m=43
